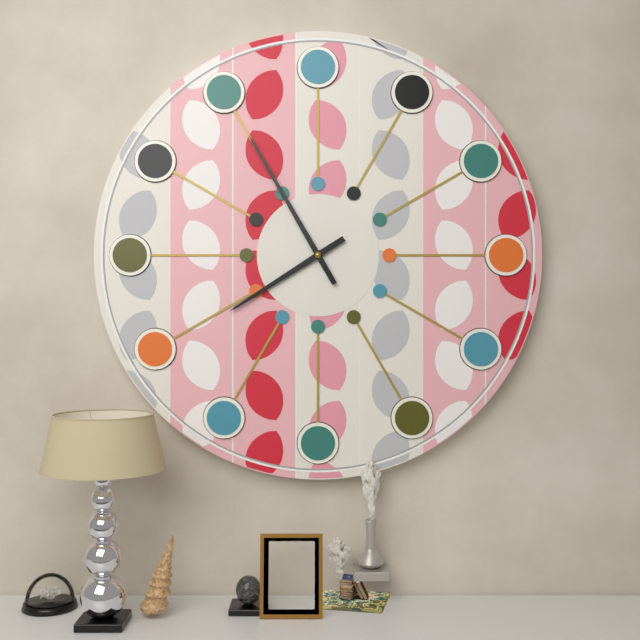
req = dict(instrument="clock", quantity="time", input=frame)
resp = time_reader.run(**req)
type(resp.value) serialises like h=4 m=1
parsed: h=7 m=55
